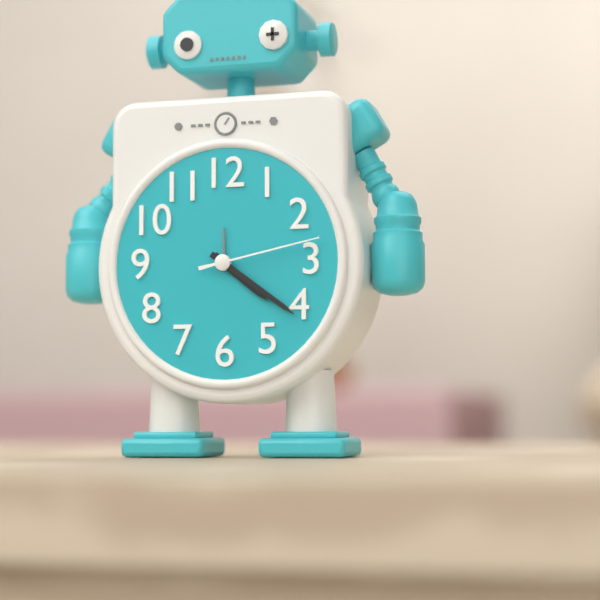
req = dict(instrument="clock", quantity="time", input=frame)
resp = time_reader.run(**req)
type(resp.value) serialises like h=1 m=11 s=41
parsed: h=4 m=21 s=13
